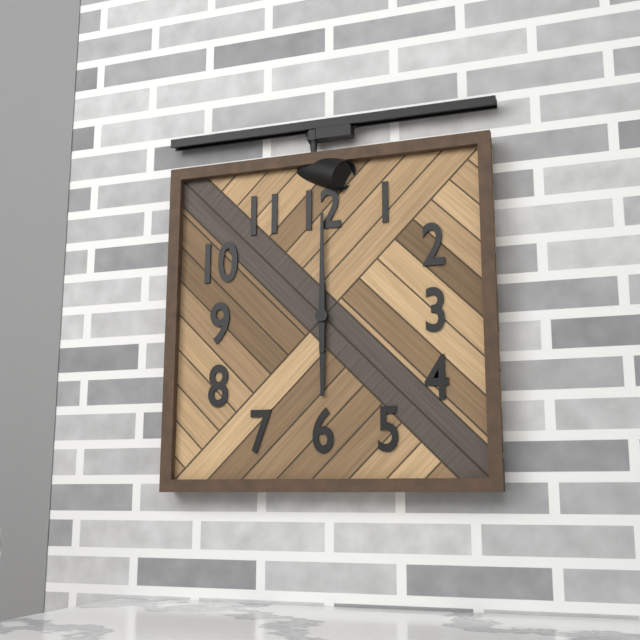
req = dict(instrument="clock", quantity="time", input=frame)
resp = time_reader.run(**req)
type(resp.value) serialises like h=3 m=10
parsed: h=6 m=0
